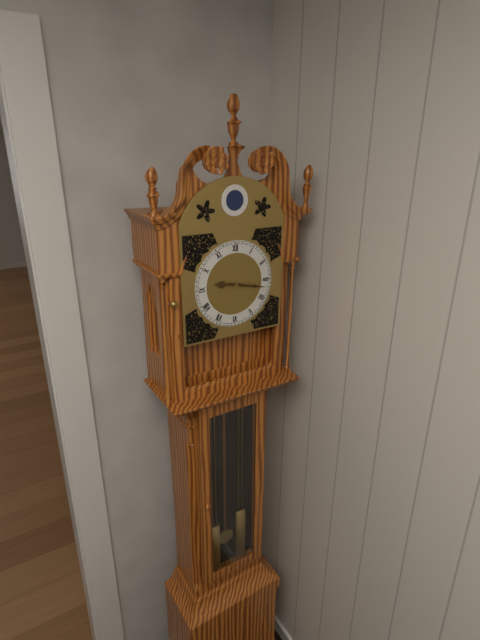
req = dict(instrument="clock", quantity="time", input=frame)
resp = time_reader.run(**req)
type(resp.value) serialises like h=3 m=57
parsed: h=9 m=17
